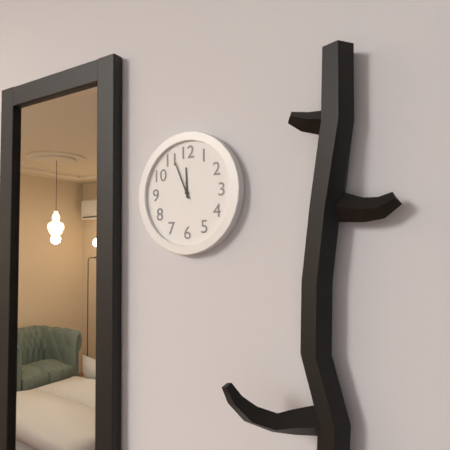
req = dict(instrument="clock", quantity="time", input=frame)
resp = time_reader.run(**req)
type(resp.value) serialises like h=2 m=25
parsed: h=11 m=56
